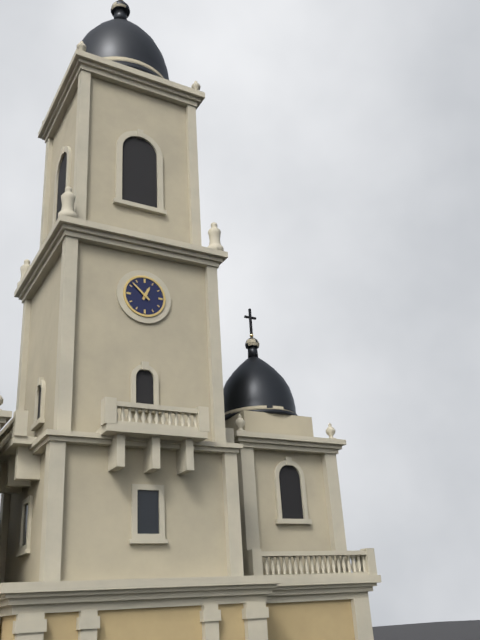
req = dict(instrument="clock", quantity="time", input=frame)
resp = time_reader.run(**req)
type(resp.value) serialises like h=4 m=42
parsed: h=12 m=52
